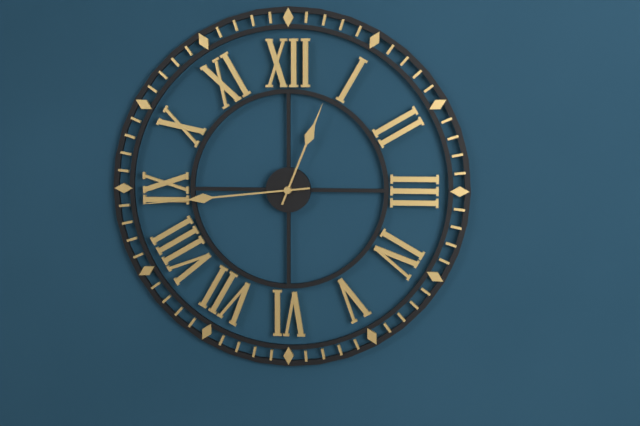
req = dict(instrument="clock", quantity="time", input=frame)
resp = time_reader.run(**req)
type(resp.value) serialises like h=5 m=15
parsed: h=12 m=44
